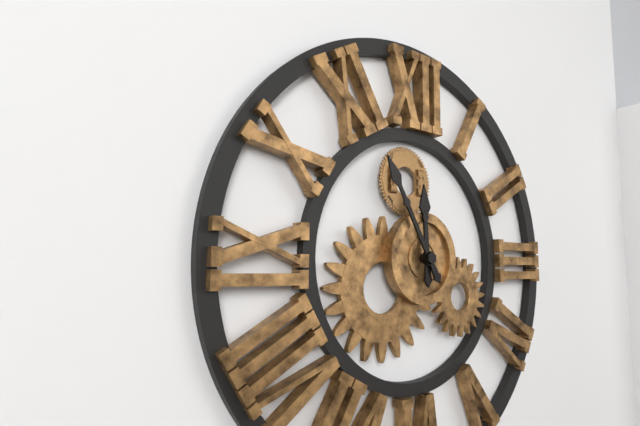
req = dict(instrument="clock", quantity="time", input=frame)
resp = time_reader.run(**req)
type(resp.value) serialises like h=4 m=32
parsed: h=11 m=55
